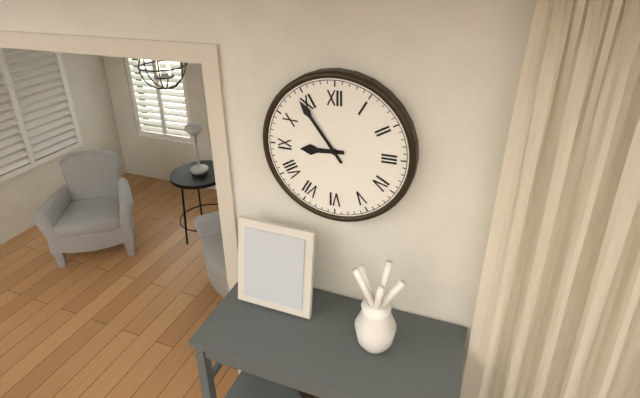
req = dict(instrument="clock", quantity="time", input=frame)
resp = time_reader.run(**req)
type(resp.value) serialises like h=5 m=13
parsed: h=8 m=54
